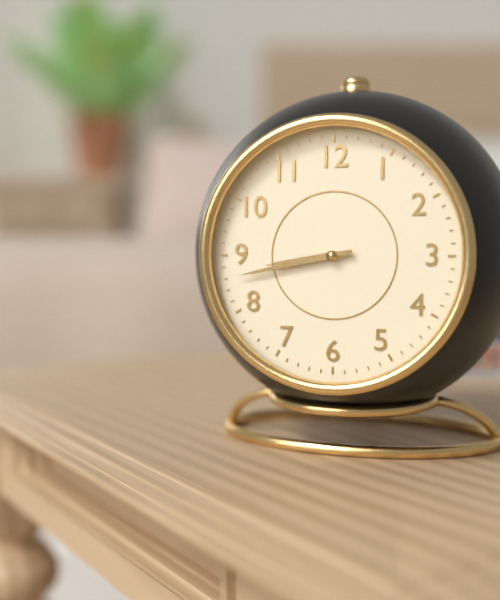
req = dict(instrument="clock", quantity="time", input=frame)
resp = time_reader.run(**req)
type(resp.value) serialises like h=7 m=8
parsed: h=8 m=43
